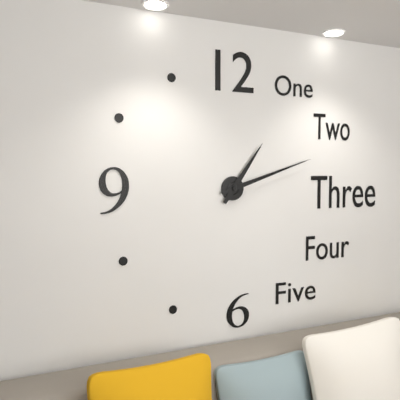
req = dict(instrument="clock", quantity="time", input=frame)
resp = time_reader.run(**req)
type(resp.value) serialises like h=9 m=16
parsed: h=1 m=12
